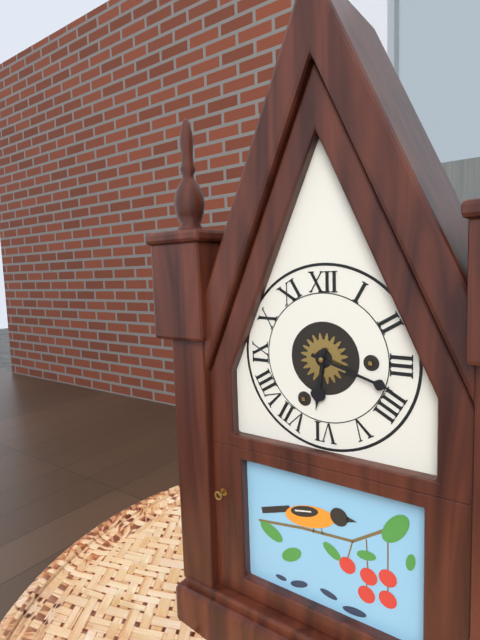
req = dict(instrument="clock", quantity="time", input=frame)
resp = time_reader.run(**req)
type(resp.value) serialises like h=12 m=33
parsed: h=6 m=18
